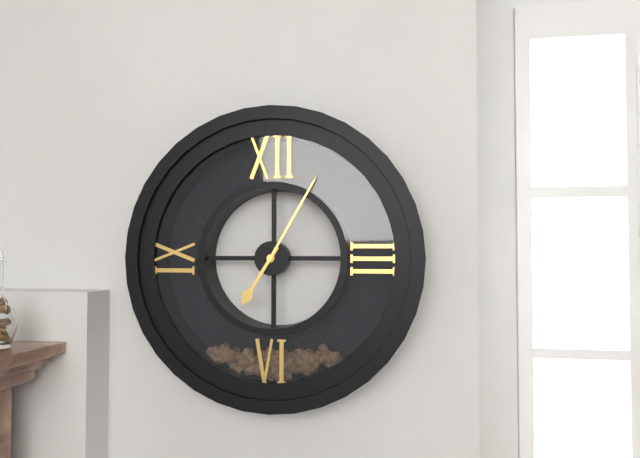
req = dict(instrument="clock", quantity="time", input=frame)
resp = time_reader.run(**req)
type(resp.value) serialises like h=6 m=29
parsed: h=7 m=5
